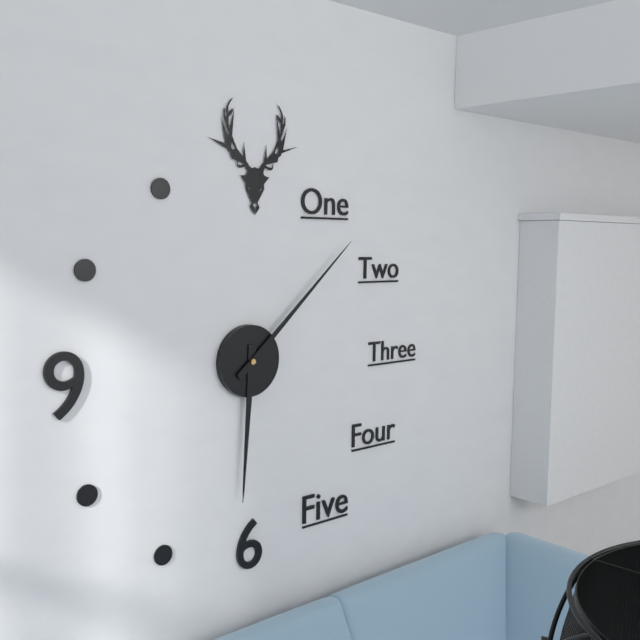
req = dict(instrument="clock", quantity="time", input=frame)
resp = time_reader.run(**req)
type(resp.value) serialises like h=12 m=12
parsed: h=6 m=8
